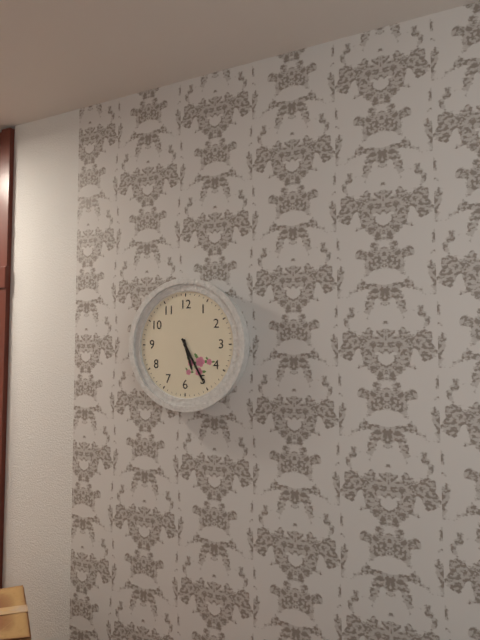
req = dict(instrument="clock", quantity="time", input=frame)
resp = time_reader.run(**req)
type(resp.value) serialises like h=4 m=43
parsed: h=5 m=25
